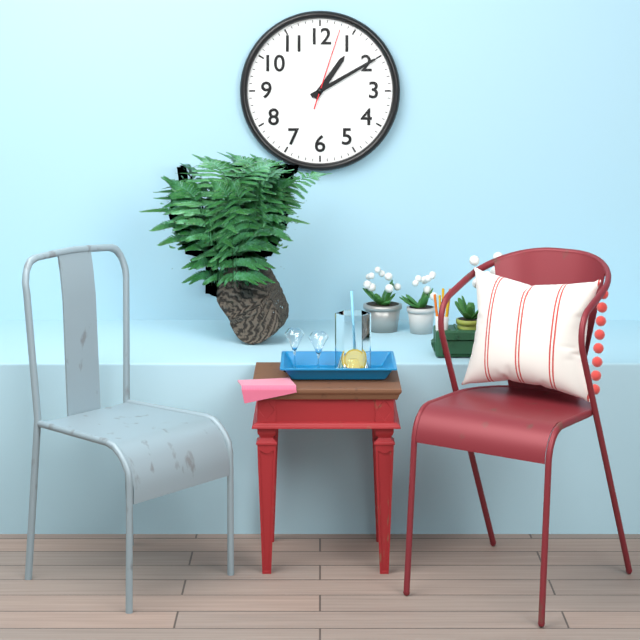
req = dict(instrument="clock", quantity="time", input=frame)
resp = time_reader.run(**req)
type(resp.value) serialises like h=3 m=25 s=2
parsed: h=1 m=10 s=3
